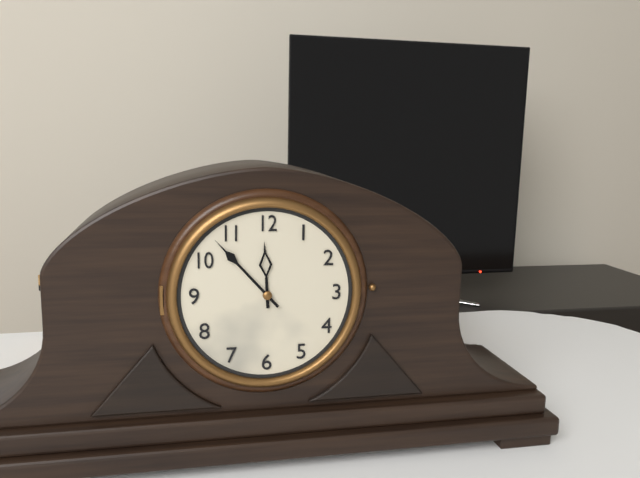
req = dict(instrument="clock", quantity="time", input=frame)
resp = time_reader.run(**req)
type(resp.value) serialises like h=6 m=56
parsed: h=11 m=53
